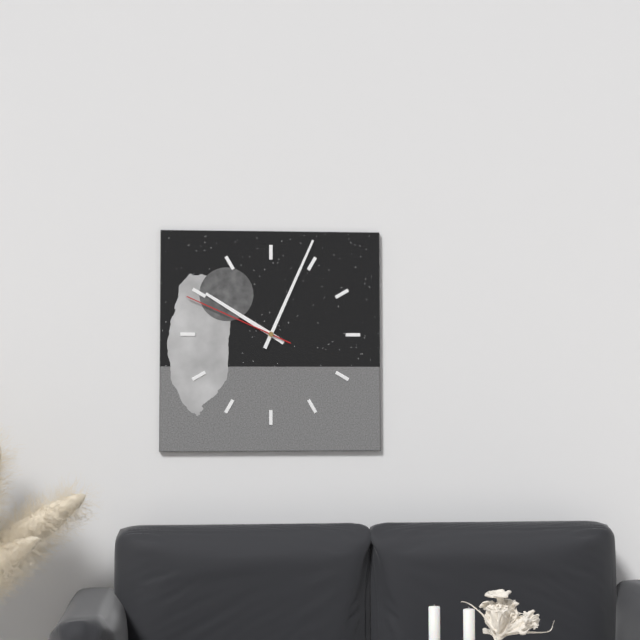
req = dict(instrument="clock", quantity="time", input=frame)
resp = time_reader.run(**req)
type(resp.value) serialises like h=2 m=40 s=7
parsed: h=10 m=4 s=49
